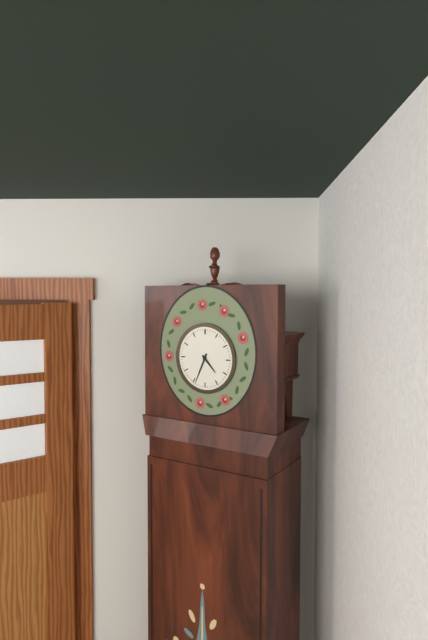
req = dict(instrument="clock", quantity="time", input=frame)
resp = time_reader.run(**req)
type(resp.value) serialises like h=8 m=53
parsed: h=4 m=34
